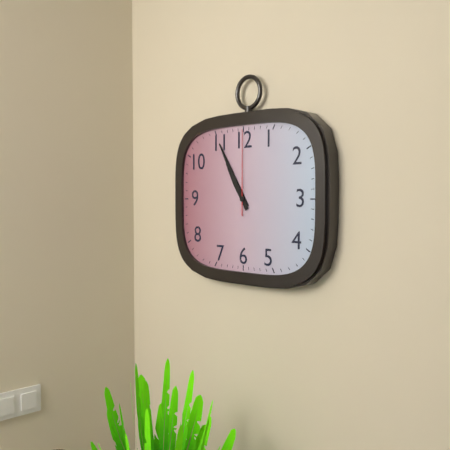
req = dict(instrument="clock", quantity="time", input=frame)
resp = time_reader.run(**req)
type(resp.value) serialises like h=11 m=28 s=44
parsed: h=10 m=55 s=0
